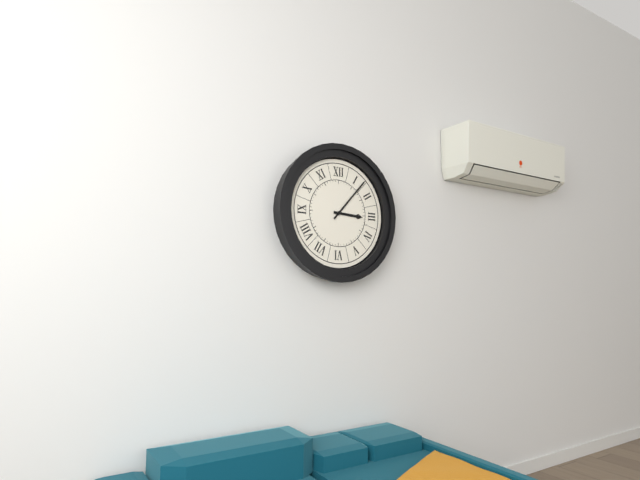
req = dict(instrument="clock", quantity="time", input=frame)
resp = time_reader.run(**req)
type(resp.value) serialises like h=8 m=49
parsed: h=3 m=7
